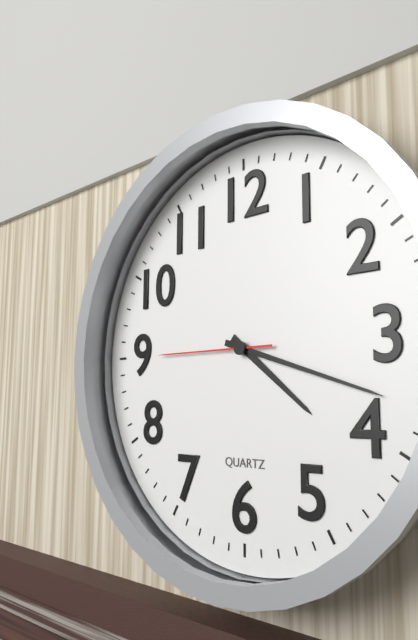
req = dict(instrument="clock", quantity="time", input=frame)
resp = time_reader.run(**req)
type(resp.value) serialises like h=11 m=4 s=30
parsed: h=4 m=18 s=45
